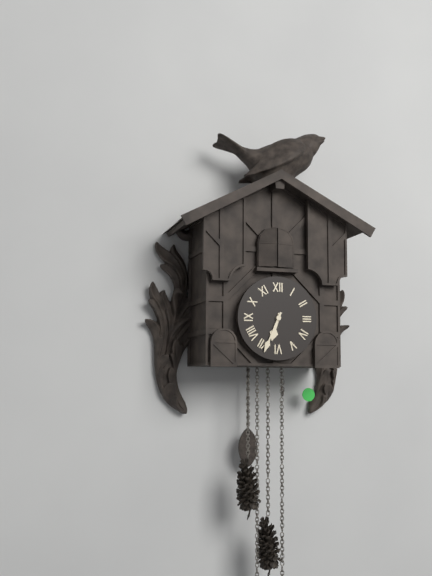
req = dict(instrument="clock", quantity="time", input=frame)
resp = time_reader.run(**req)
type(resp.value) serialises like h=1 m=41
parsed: h=6 m=34
